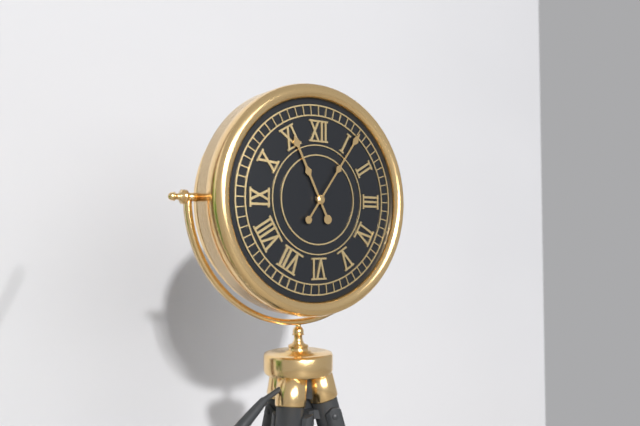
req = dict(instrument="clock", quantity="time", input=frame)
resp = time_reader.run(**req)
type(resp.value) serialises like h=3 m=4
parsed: h=11 m=6
